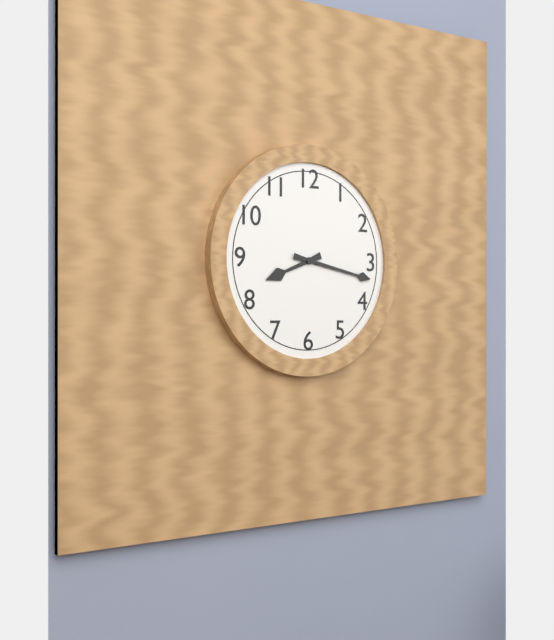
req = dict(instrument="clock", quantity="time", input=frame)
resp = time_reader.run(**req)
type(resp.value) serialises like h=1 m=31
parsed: h=8 m=17
